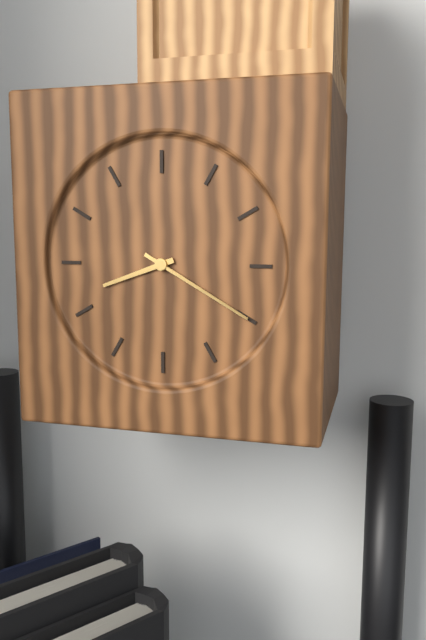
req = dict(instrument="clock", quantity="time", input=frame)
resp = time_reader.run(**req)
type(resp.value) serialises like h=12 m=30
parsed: h=8 m=20
